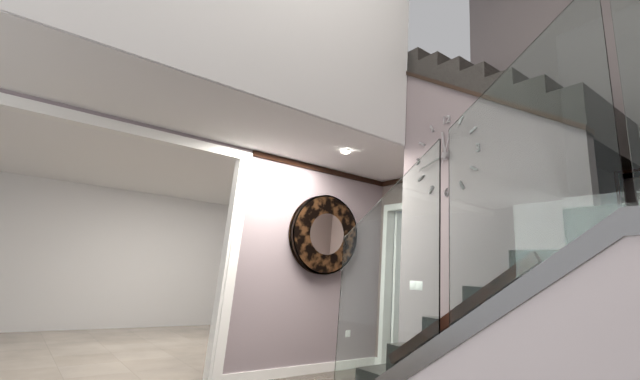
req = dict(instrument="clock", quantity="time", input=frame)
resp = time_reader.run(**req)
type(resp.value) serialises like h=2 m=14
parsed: h=11 m=42
